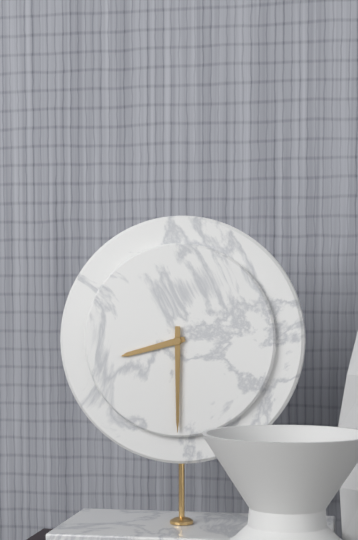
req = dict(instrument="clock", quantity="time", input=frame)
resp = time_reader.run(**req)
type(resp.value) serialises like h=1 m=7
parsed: h=8 m=30
